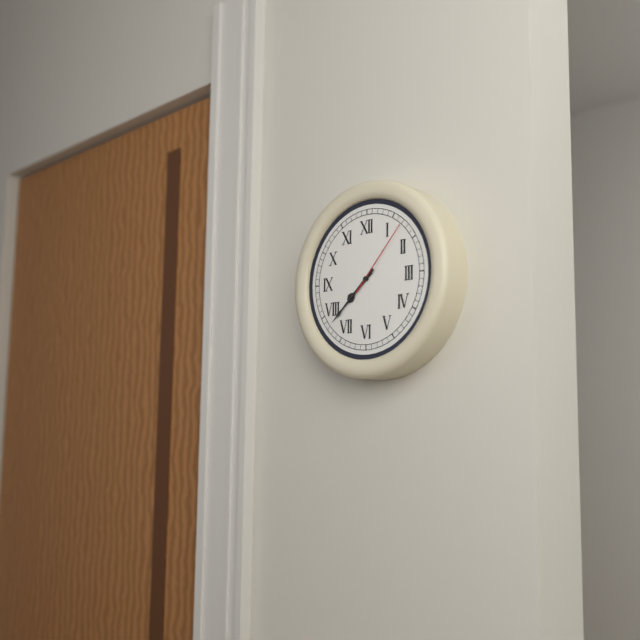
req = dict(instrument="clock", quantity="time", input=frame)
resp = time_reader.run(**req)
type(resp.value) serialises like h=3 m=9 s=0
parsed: h=7 m=38 s=7
